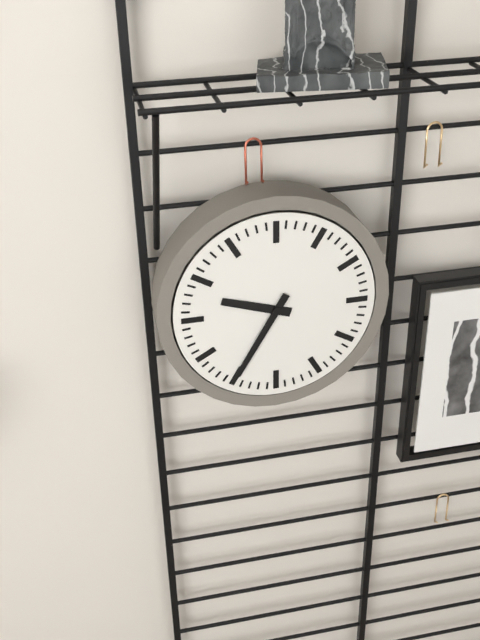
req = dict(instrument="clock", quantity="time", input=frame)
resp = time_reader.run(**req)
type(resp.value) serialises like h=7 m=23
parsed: h=9 m=35
